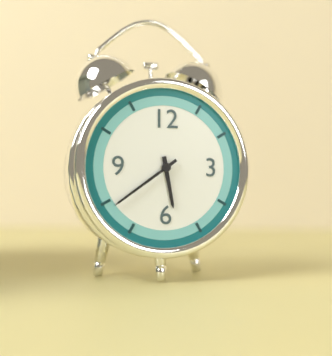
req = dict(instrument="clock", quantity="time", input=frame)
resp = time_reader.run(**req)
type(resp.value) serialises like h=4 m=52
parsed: h=5 m=39
